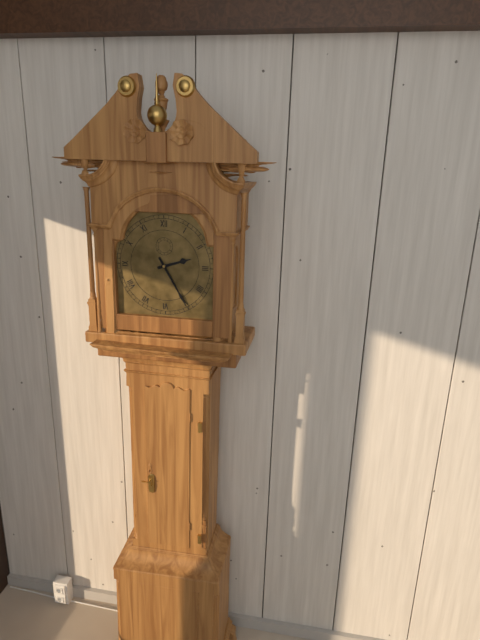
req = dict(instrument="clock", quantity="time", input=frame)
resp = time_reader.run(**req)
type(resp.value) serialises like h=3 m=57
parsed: h=2 m=25
